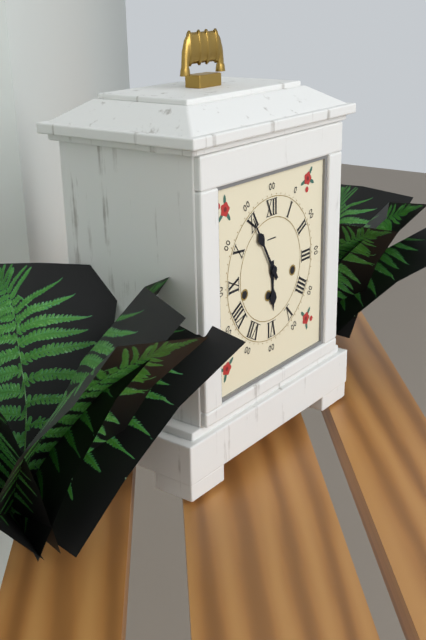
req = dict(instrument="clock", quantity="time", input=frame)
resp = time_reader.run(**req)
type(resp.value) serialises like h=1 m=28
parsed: h=5 m=55
